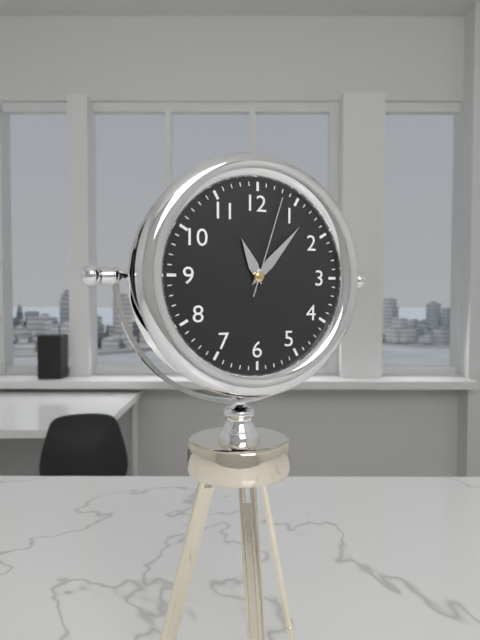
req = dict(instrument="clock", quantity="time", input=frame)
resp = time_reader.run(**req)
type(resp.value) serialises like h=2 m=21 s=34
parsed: h=11 m=7 s=3
